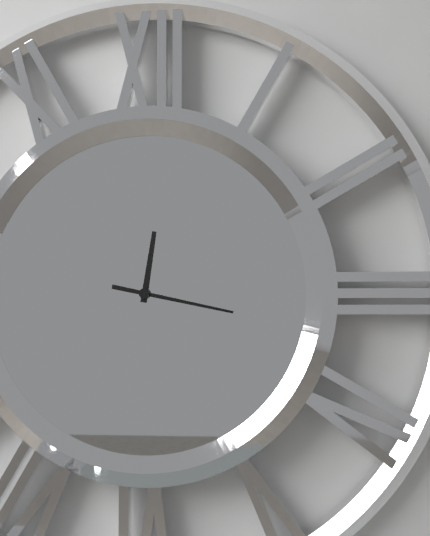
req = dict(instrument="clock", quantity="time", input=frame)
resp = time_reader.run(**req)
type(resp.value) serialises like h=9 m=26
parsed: h=12 m=17
